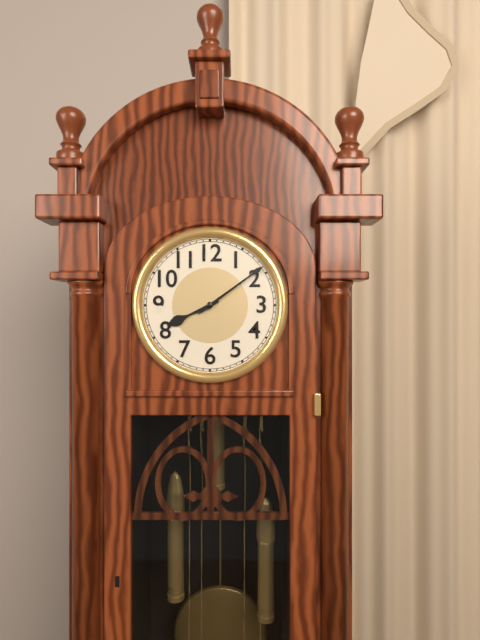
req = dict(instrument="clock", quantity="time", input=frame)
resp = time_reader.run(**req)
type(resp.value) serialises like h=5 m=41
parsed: h=8 m=9
